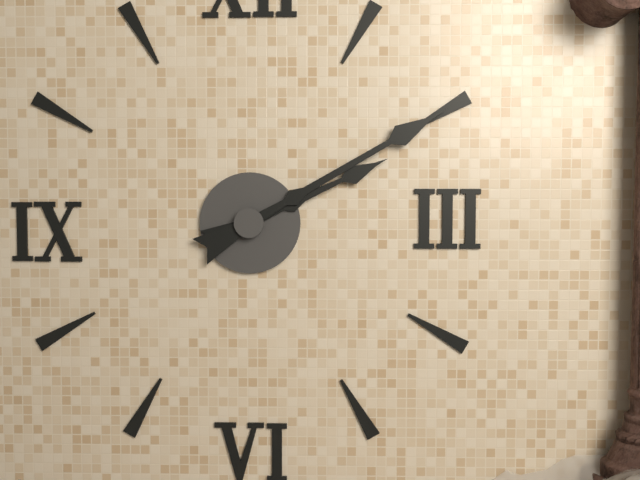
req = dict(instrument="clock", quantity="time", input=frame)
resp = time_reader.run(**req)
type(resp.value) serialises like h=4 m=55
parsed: h=2 m=10
